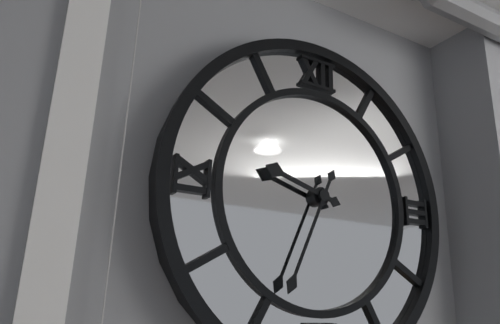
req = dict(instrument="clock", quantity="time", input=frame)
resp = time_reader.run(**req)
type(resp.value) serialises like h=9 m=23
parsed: h=9 m=34
